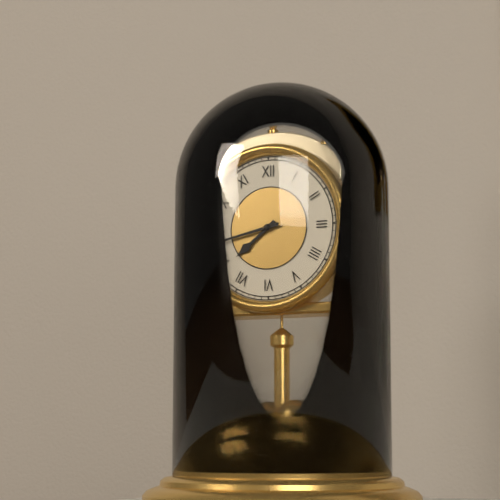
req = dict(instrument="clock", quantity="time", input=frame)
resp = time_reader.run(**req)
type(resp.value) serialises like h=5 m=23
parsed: h=7 m=43
